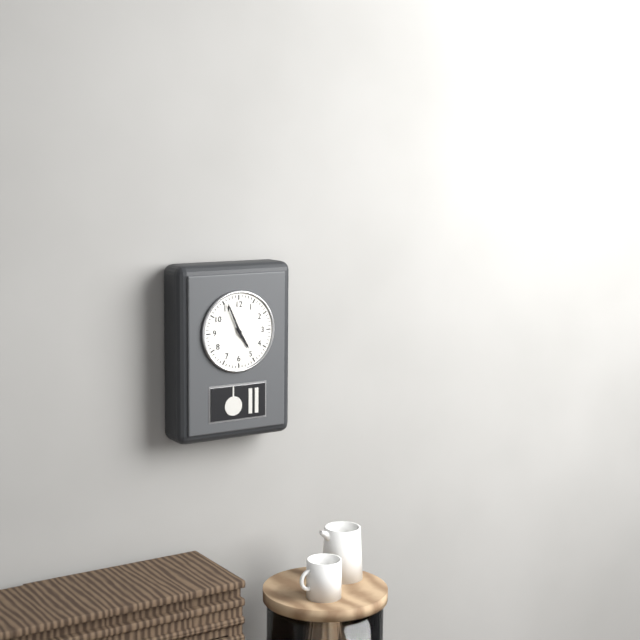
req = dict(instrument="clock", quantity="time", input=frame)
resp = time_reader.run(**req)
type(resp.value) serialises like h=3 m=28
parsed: h=4 m=56
